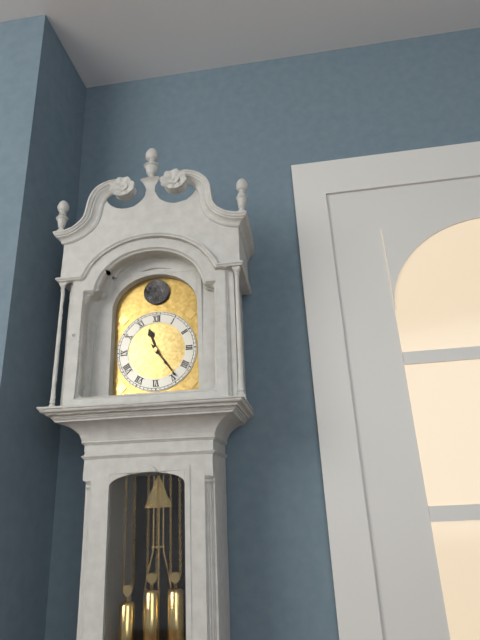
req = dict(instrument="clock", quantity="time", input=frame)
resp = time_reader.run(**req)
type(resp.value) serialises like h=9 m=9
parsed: h=11 m=24
